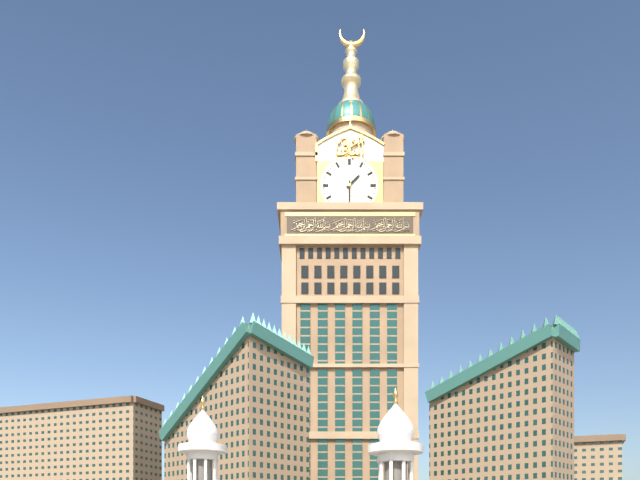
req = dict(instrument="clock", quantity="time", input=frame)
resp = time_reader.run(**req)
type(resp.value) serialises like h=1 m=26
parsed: h=1 m=30
